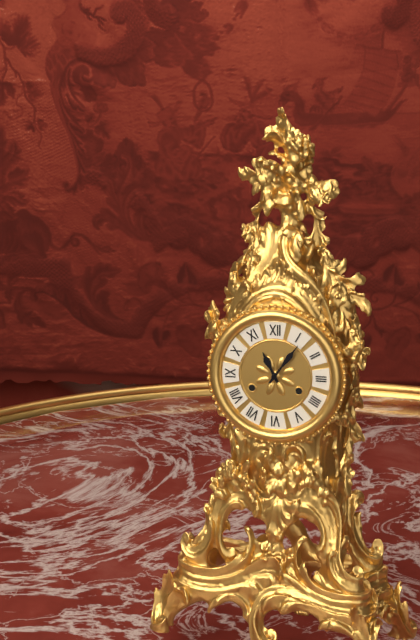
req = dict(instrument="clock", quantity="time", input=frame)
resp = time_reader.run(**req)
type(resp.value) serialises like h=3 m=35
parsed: h=11 m=6
